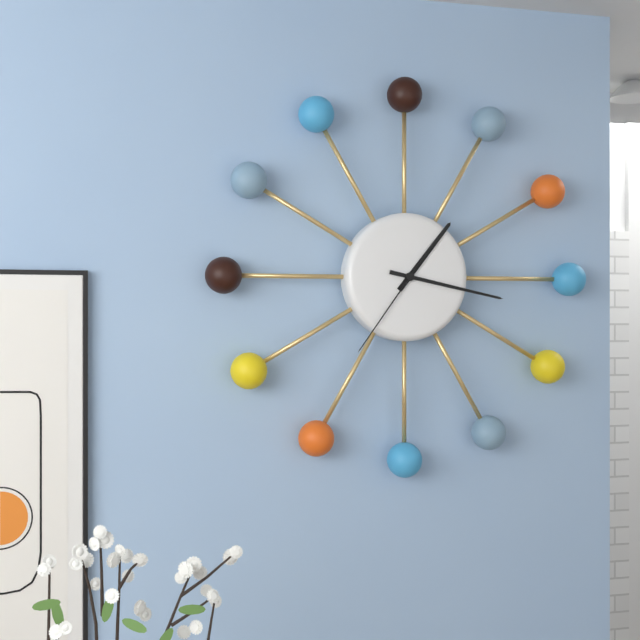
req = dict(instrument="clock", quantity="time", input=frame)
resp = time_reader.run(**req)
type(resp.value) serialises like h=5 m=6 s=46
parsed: h=1 m=17 s=36
